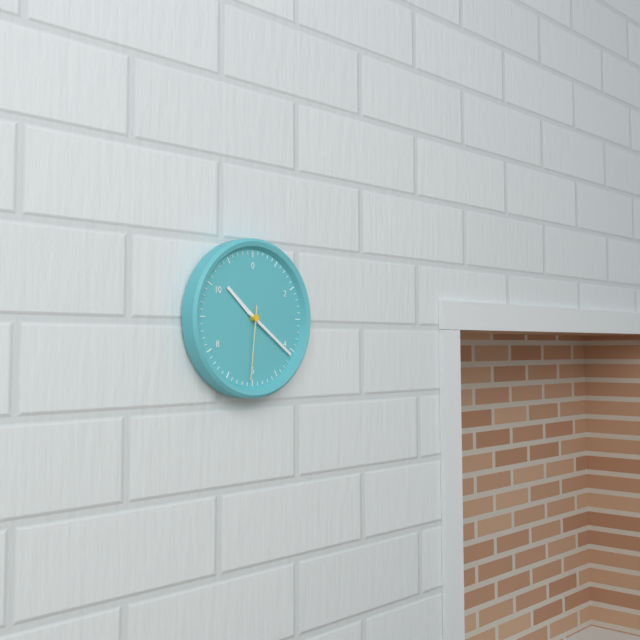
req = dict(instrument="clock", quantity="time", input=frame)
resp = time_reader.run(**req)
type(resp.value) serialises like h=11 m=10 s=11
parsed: h=10 m=21 s=31
